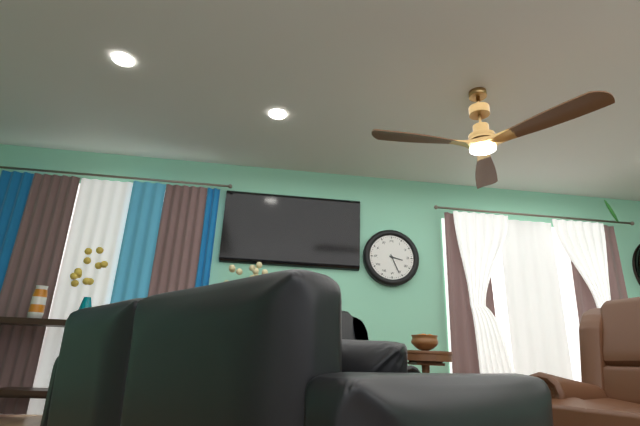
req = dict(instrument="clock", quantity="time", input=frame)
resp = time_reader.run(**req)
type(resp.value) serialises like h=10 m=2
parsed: h=3 m=26
